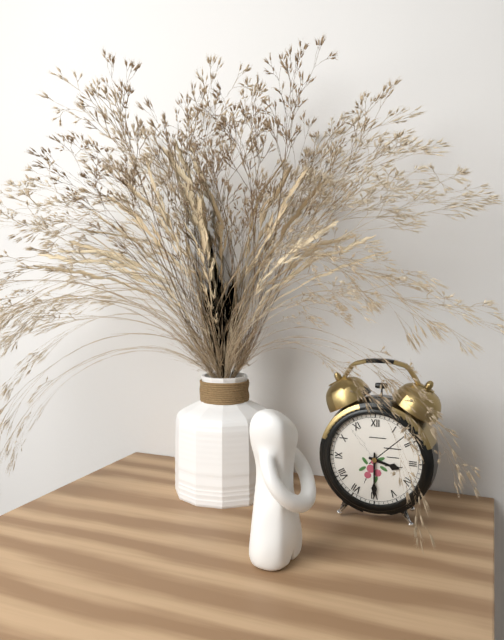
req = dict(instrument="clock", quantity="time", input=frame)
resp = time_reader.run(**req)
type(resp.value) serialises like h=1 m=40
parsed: h=3 m=30
